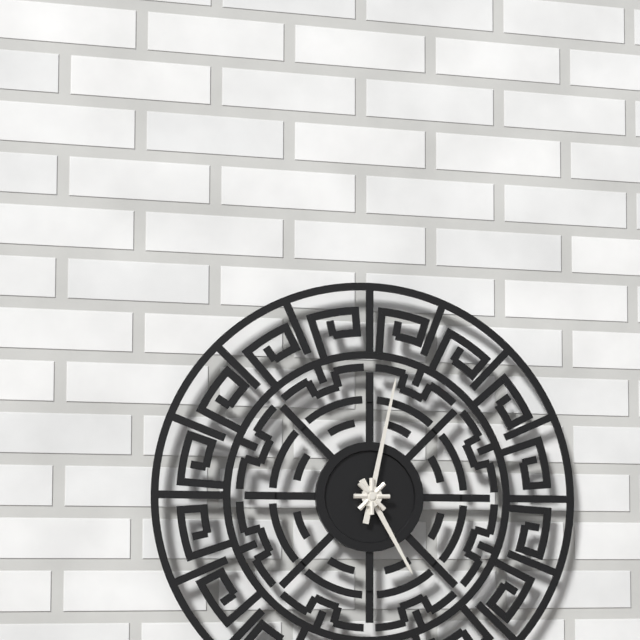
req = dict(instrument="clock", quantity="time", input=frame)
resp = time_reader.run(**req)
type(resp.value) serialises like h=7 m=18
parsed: h=5 m=2
